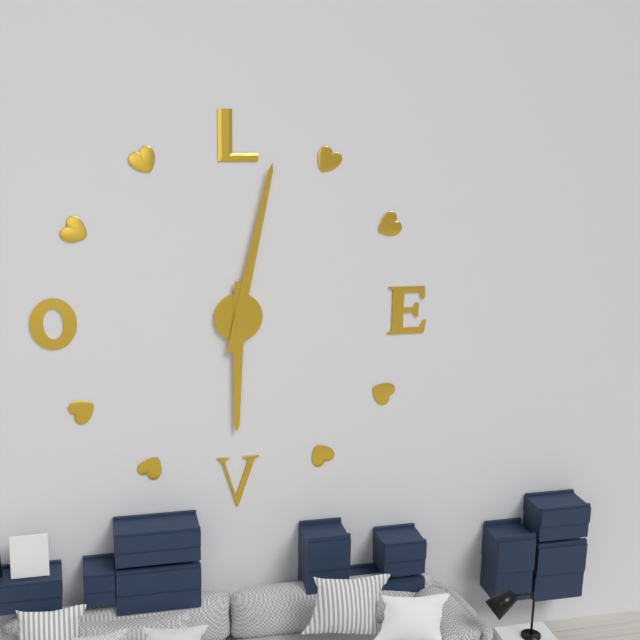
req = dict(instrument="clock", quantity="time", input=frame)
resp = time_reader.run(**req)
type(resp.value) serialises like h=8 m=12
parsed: h=6 m=2
